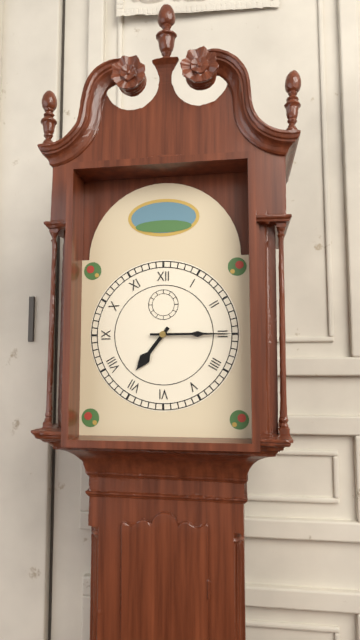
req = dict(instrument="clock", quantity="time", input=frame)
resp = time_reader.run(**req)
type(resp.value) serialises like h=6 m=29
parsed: h=7 m=15
